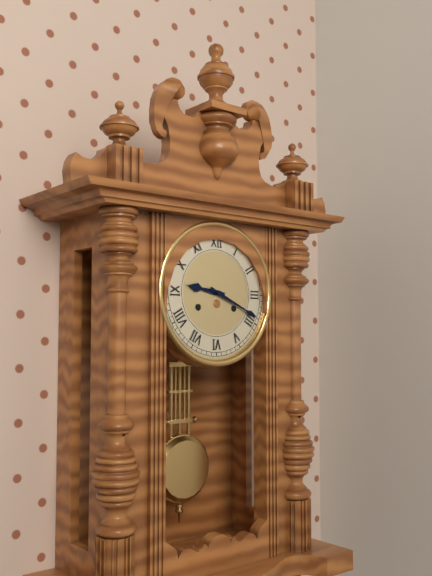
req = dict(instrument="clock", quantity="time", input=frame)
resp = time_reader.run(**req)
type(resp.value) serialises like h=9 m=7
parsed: h=9 m=19
